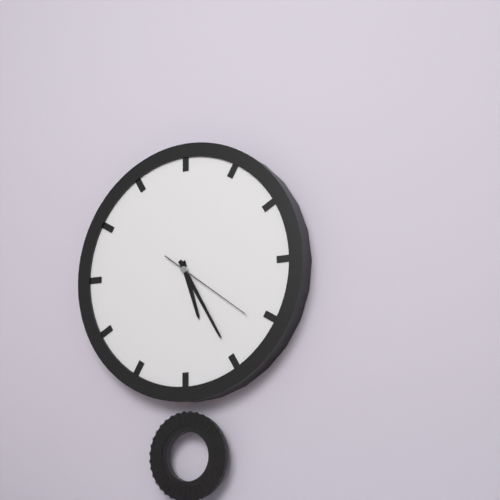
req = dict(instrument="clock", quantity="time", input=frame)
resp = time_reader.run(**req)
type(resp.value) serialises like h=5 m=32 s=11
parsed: h=5 m=25 s=21
